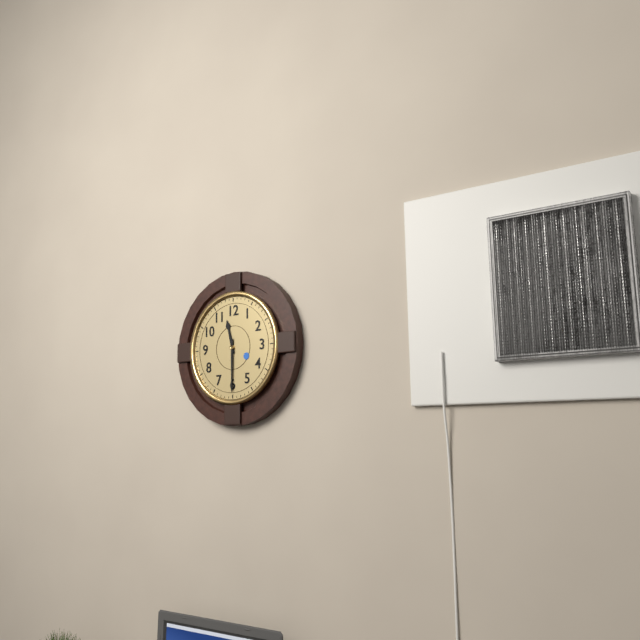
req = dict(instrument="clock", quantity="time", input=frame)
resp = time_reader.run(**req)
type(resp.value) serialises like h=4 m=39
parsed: h=11 m=30
